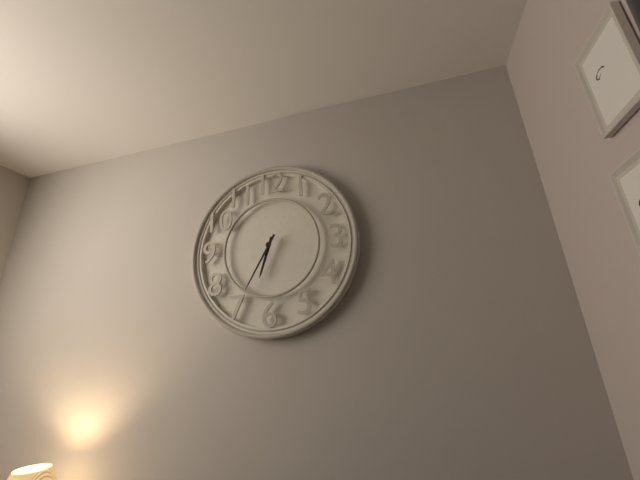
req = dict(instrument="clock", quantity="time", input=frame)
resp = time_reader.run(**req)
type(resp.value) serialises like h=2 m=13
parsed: h=6 m=35
